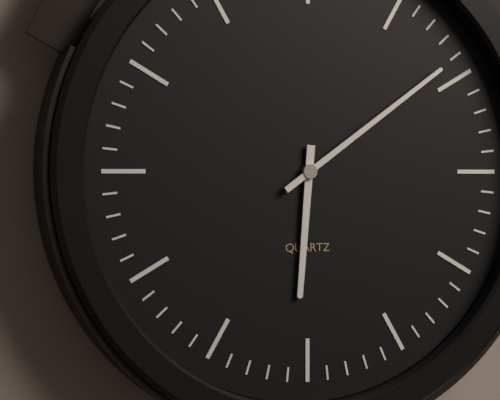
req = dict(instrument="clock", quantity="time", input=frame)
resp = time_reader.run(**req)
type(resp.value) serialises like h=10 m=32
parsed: h=6 m=9
